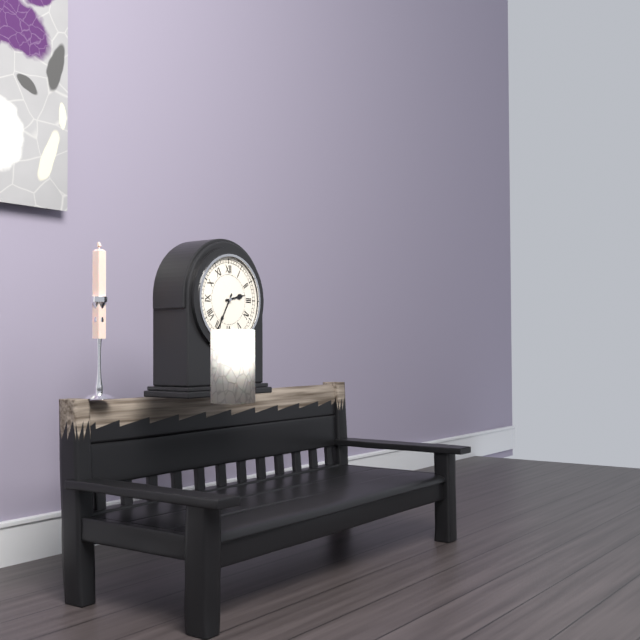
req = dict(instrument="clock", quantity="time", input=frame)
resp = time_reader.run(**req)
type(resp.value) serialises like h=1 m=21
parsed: h=2 m=35
